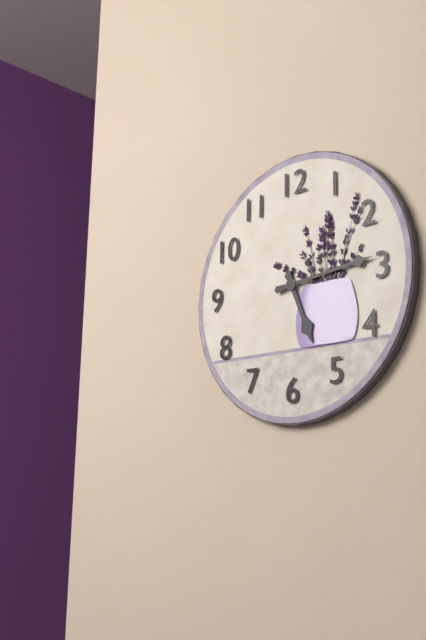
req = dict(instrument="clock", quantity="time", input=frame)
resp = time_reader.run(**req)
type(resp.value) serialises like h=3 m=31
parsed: h=5 m=14
